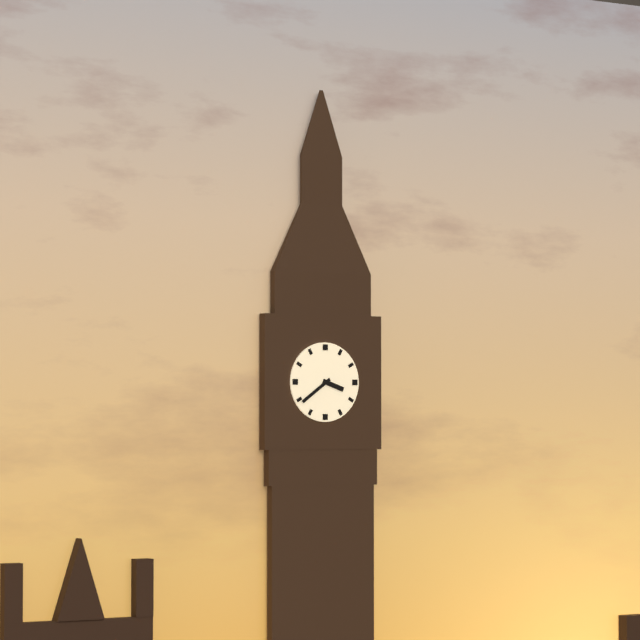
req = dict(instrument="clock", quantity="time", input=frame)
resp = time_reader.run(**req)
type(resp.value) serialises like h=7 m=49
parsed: h=3 m=39
